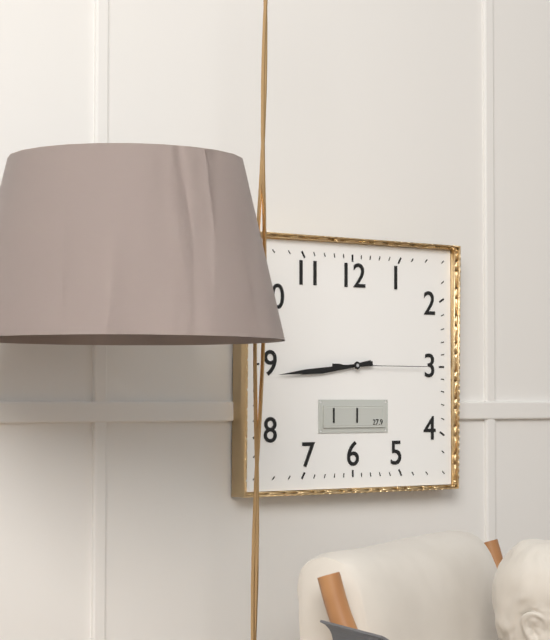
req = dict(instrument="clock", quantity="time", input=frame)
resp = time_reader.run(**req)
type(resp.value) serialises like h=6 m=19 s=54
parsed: h=8 m=44 s=15
